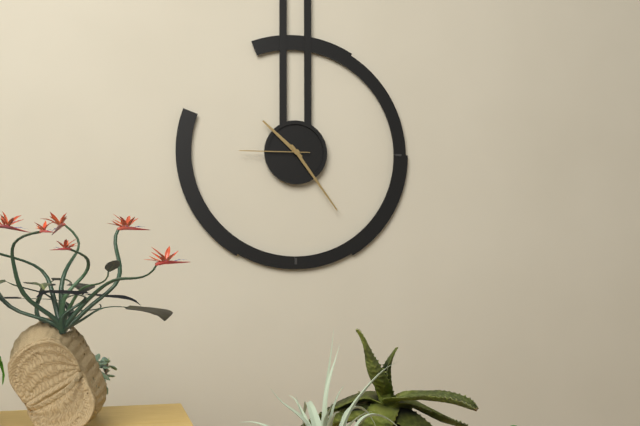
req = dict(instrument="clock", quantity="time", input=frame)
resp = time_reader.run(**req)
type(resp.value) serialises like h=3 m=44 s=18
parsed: h=10 m=24 s=45
